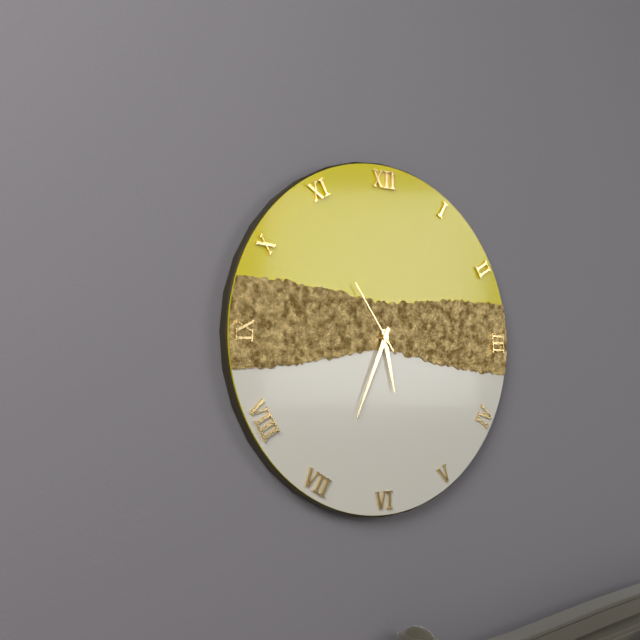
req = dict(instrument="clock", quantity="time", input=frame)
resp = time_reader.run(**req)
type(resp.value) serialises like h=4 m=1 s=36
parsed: h=5 m=34 s=54
